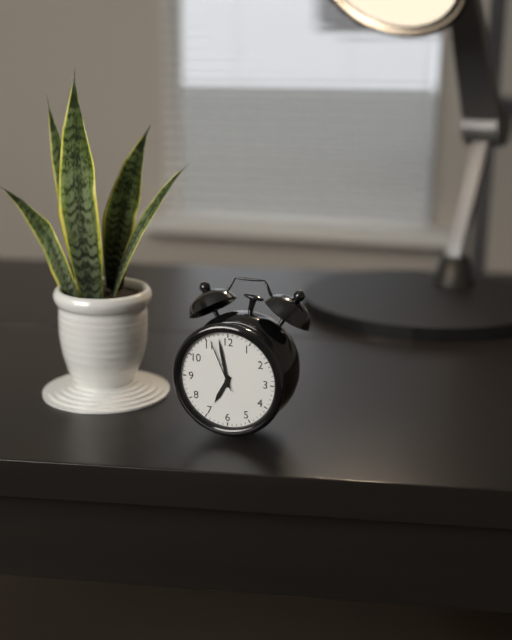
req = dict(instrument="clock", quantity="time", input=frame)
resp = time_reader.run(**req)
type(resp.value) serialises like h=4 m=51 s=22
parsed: h=6 m=58 s=56
